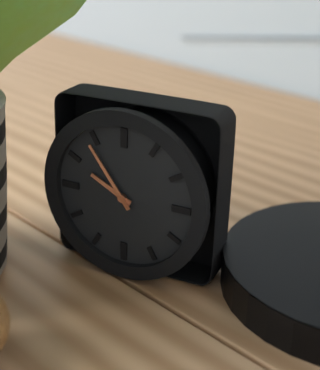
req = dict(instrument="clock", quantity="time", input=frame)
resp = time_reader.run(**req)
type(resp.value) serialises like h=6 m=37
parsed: h=9 m=54
